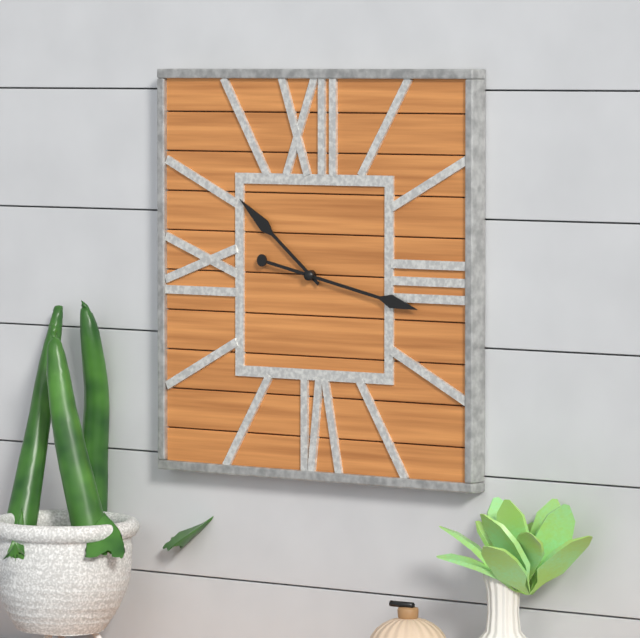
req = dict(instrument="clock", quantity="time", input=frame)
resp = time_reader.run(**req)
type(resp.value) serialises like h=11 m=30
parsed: h=10 m=17
